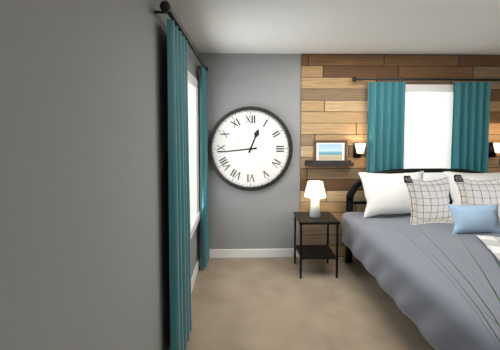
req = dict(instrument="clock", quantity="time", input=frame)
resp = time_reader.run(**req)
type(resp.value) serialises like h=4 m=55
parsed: h=12 m=44
